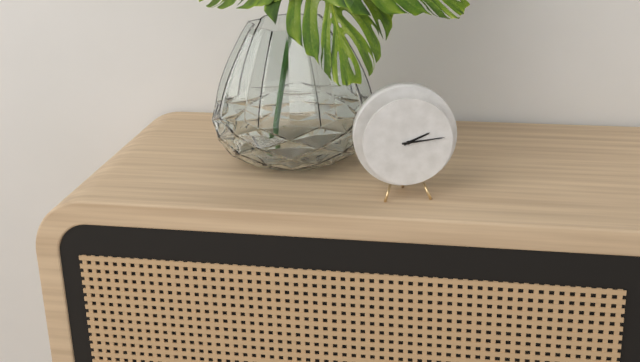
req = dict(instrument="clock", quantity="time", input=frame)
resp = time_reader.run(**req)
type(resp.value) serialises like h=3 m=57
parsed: h=2 m=14
